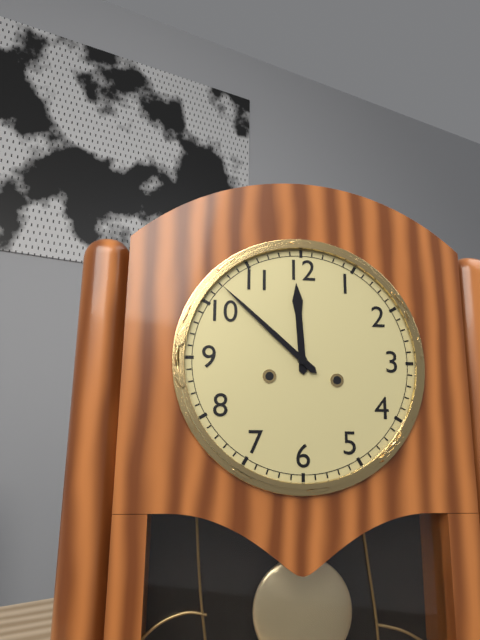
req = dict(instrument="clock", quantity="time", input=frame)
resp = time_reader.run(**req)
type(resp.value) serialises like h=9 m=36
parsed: h=11 m=52
